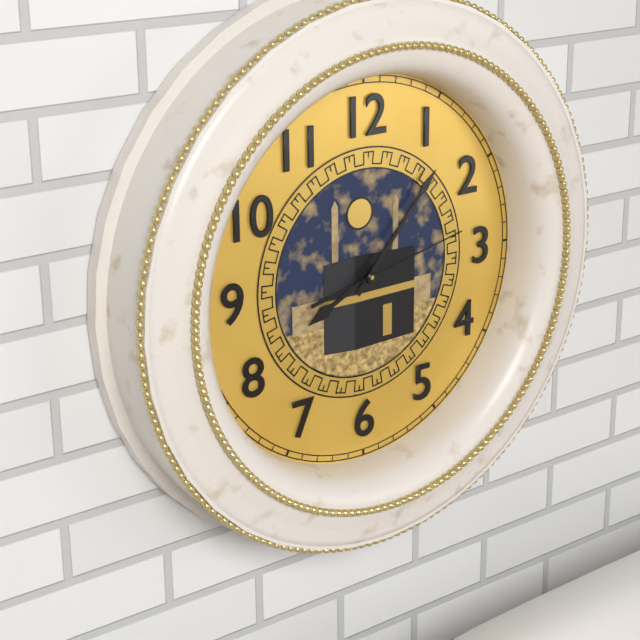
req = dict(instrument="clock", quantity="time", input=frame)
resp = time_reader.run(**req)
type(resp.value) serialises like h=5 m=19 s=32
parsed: h=8 m=7 s=13
